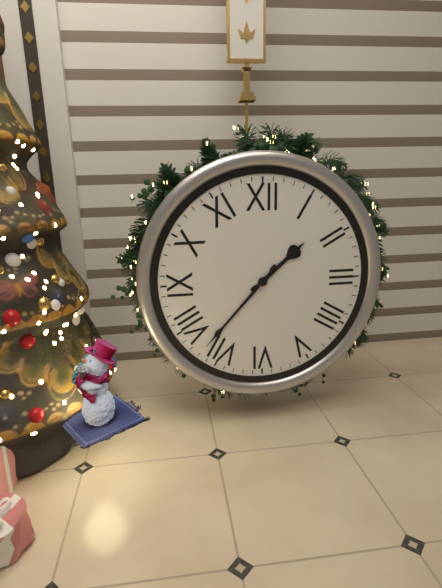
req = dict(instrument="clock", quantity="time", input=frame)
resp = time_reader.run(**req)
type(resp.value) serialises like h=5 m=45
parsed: h=1 m=37
